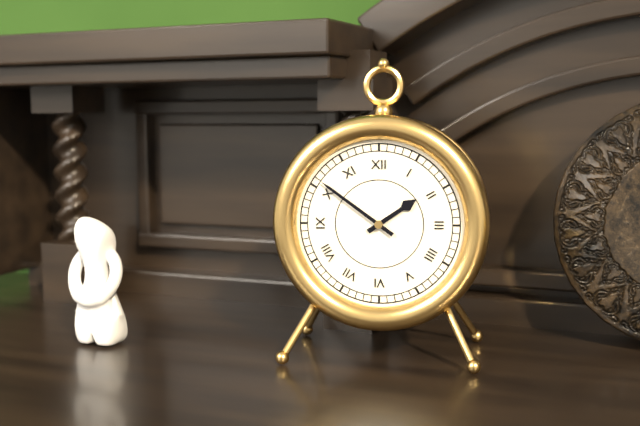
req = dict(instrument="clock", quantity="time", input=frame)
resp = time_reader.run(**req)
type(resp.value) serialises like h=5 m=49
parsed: h=1 m=51
